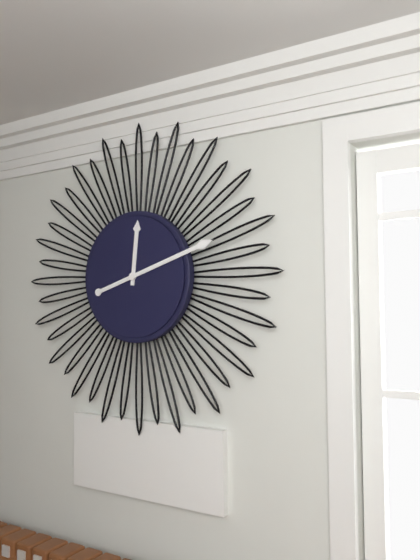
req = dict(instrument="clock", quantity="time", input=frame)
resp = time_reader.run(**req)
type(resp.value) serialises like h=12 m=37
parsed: h=12 m=12
